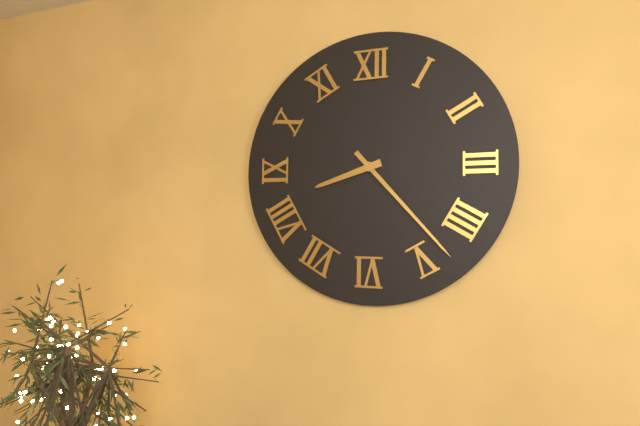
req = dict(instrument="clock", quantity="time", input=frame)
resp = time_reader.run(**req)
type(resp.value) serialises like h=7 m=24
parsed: h=8 m=23
